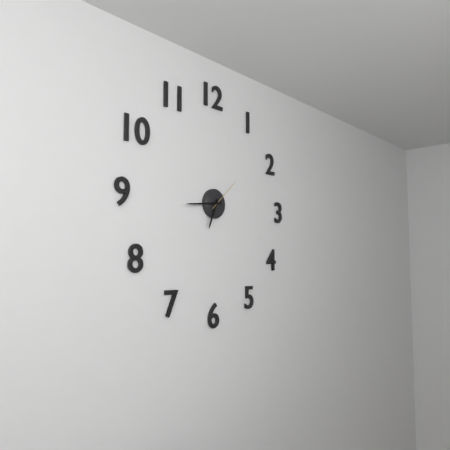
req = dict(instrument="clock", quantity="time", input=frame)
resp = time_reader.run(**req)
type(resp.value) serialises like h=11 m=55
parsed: h=6 m=44
